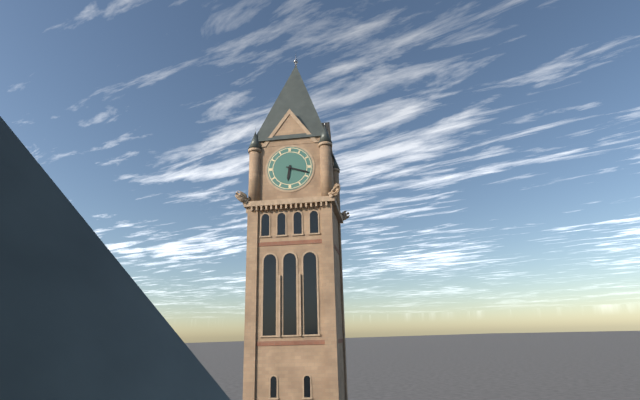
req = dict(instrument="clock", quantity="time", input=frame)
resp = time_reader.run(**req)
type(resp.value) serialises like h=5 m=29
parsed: h=6 m=18
